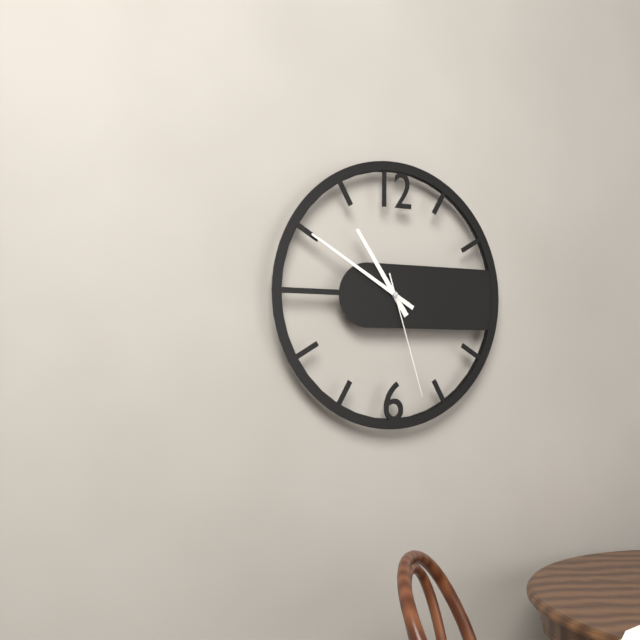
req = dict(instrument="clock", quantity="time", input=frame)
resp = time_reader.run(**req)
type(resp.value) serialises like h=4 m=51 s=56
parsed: h=10 m=50 s=27
